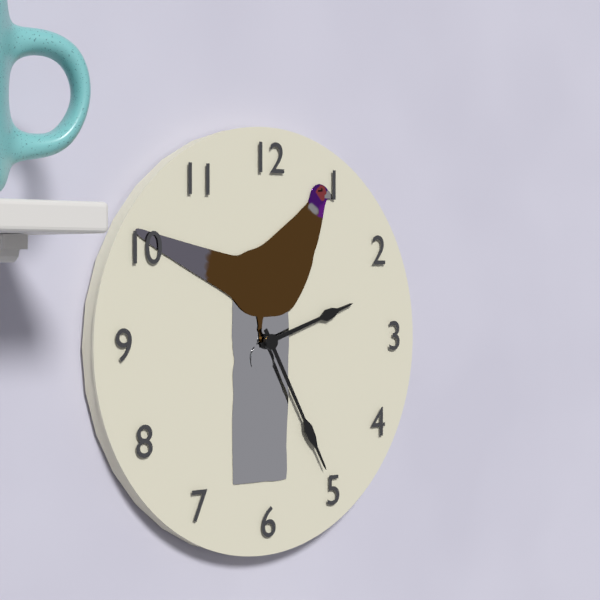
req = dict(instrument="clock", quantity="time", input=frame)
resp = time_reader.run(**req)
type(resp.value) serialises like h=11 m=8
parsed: h=2 m=25
